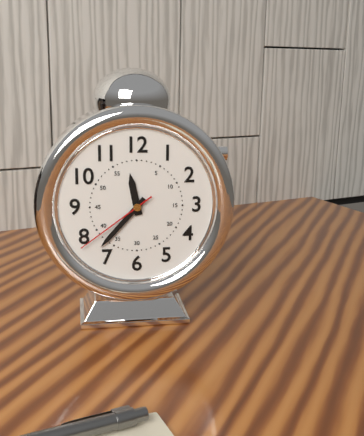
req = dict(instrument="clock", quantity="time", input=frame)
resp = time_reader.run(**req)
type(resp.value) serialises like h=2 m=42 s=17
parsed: h=11 m=37 s=39
